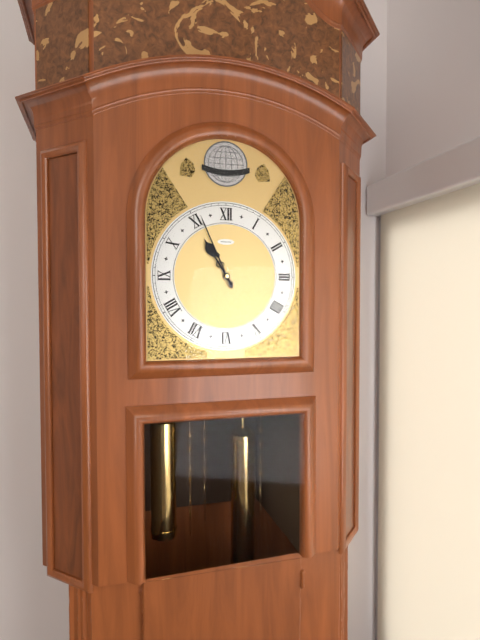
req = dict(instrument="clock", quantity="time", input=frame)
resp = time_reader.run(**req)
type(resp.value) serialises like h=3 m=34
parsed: h=10 m=56
